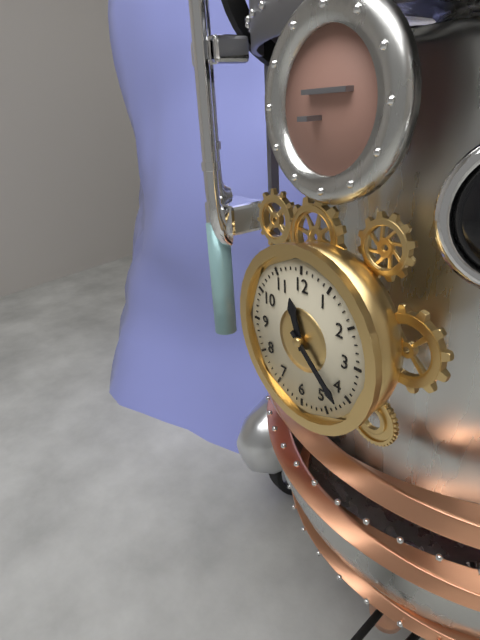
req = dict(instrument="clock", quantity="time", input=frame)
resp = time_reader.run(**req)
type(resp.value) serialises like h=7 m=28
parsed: h=11 m=22
